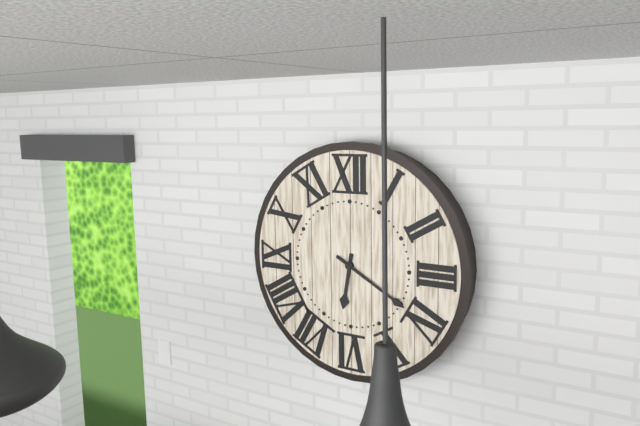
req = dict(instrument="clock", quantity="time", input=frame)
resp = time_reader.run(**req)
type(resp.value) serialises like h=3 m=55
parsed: h=6 m=20
